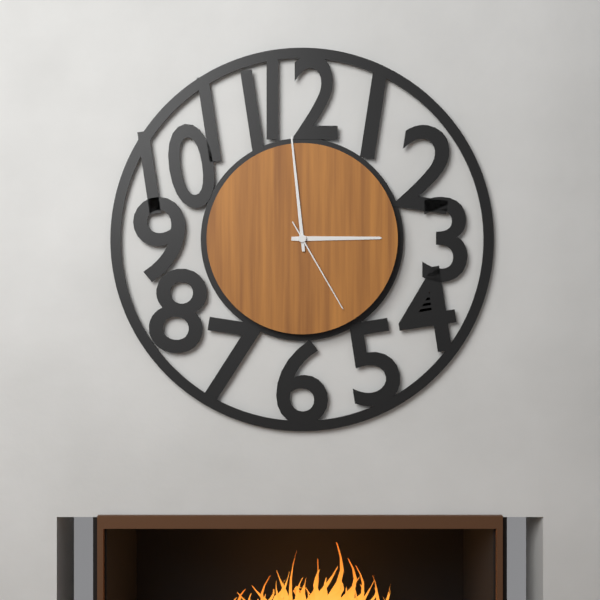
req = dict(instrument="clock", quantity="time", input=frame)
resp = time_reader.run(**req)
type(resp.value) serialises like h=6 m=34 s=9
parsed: h=2 m=59 s=25
